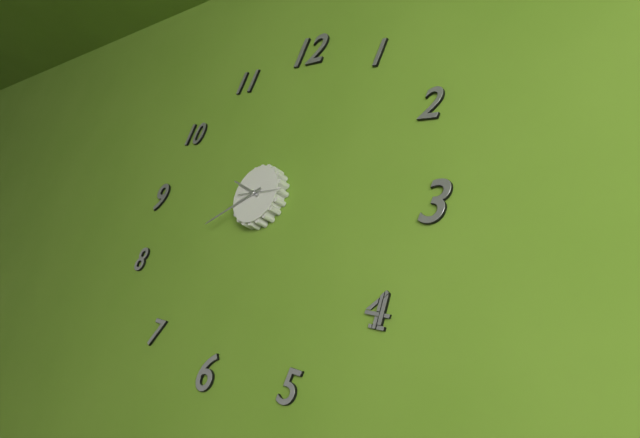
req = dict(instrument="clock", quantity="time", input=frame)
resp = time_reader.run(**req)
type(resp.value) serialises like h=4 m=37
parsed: h=9 m=40
